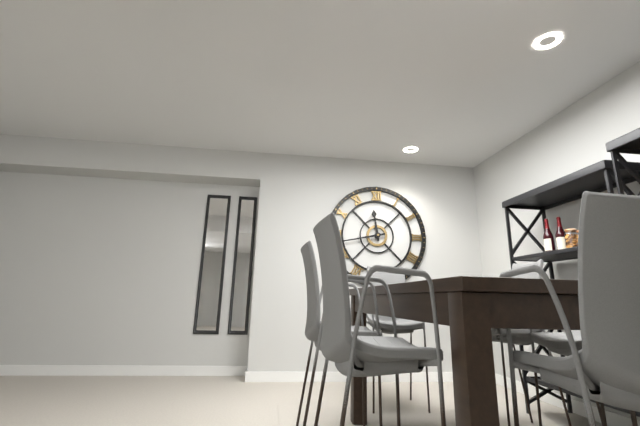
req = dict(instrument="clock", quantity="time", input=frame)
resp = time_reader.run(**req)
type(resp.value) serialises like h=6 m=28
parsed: h=11 m=43
